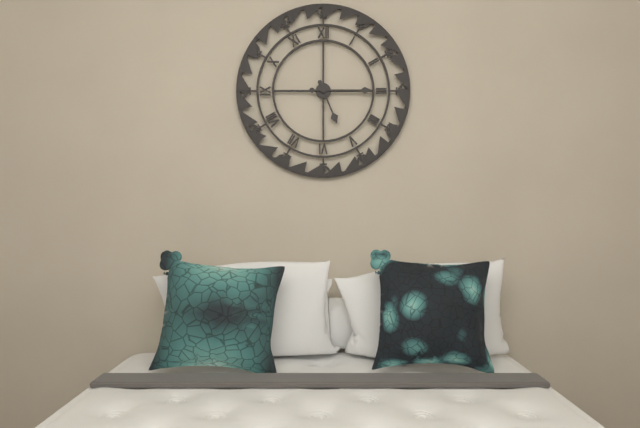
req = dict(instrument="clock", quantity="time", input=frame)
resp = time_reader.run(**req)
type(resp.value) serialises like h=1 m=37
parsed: h=5 m=15
